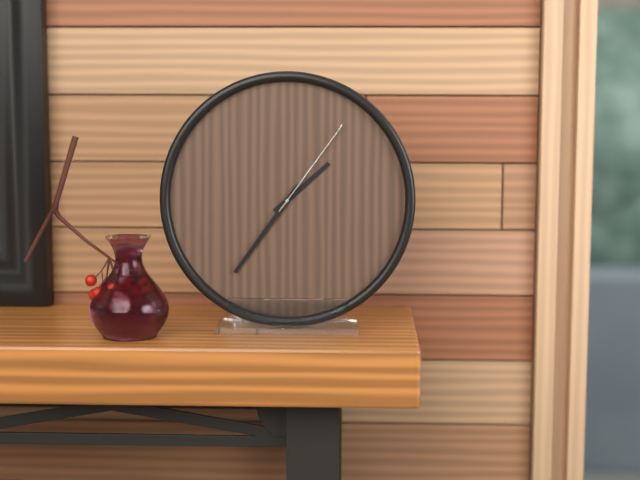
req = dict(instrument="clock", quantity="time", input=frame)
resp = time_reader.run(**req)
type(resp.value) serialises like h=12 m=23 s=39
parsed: h=1 m=36 s=6
